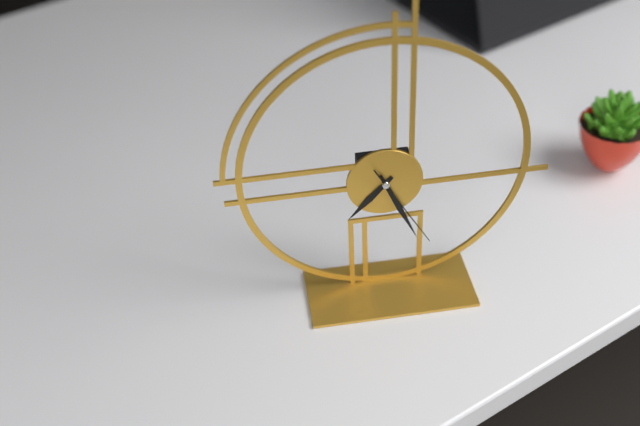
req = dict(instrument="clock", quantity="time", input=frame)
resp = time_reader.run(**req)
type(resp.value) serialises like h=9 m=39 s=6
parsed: h=7 m=26 s=25
